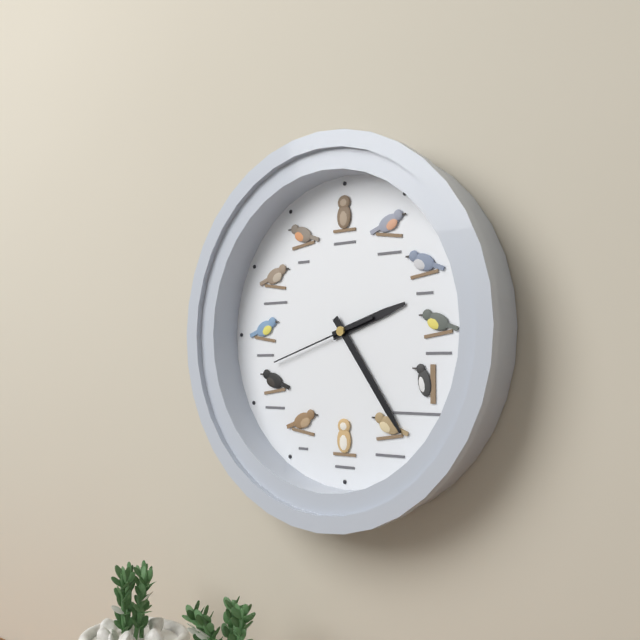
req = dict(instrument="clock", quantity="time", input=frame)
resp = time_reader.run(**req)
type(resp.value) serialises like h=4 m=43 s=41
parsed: h=2 m=24 s=42
